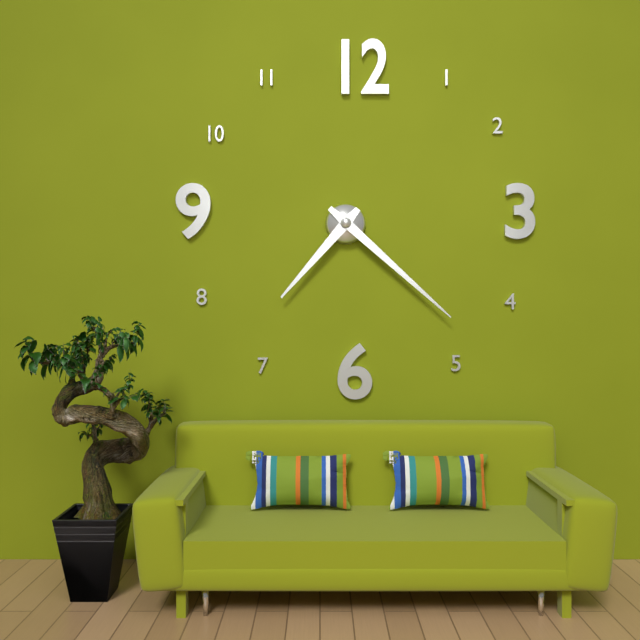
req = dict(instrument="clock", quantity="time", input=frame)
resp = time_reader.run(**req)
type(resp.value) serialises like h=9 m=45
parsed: h=7 m=22
